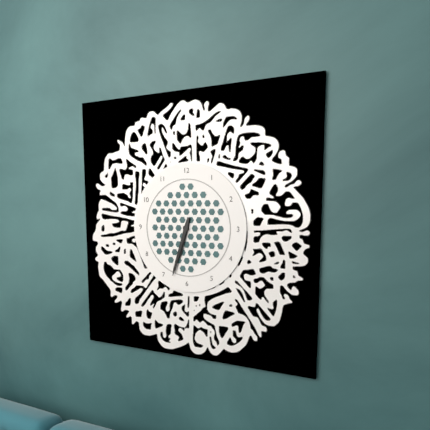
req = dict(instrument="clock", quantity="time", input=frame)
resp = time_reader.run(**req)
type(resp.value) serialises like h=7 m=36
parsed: h=6 m=33
